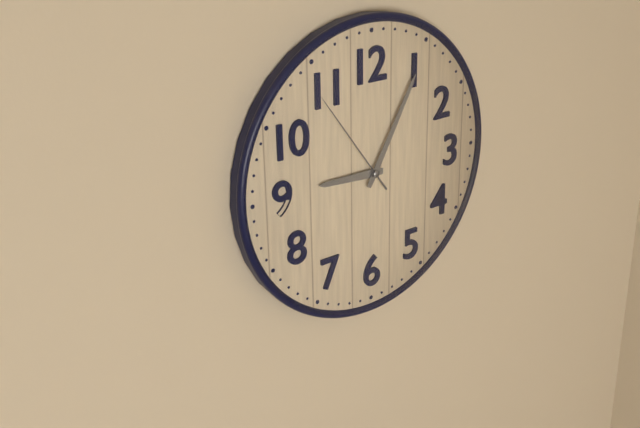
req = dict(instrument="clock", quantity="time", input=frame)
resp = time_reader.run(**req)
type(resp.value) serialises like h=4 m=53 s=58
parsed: h=9 m=5 s=54
